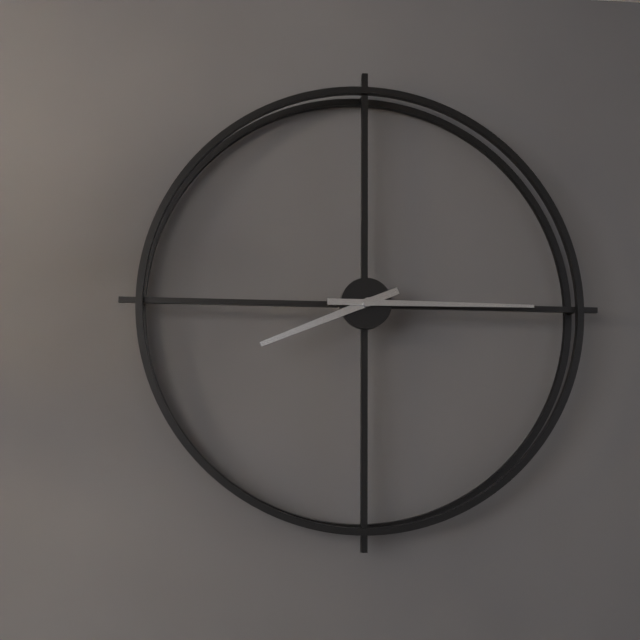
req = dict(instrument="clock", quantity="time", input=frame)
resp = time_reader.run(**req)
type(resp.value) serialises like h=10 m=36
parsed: h=8 m=15
